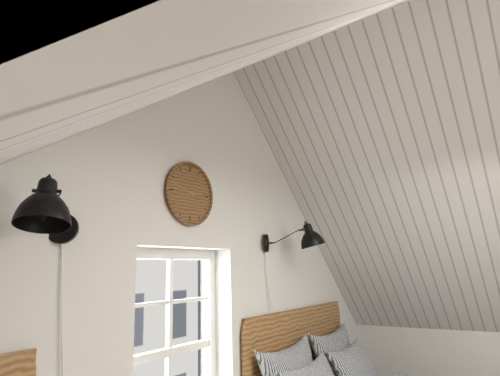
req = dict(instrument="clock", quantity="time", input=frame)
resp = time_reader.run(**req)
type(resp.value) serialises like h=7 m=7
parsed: h=2 m=48
